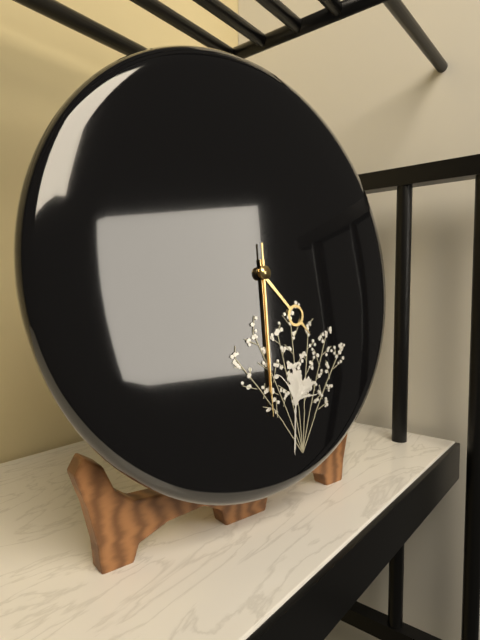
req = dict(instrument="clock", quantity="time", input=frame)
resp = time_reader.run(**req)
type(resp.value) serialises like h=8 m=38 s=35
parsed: h=4 m=30 s=30
